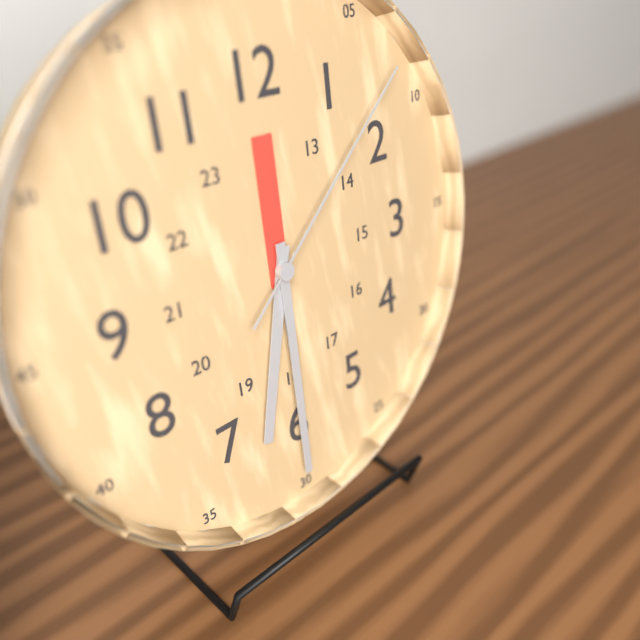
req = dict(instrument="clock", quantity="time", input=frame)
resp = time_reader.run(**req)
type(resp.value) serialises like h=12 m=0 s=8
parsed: h=6 m=30 s=8
